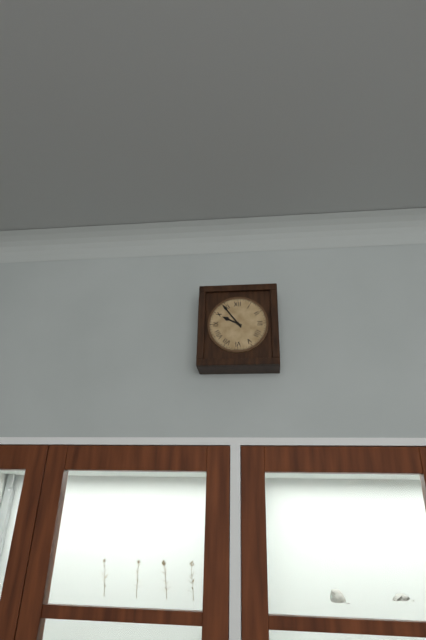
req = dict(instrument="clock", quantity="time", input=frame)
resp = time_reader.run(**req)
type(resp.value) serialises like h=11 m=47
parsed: h=9 m=54
